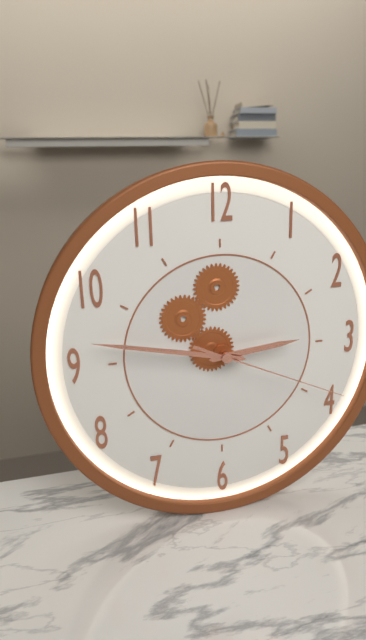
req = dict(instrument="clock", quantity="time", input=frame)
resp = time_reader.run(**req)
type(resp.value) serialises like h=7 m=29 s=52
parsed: h=2 m=47 s=19
